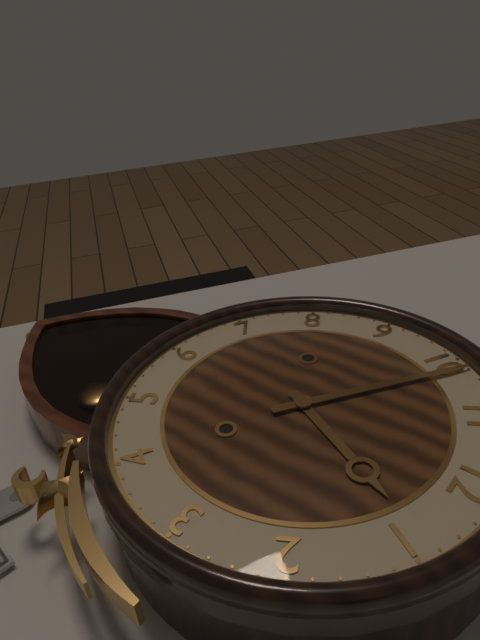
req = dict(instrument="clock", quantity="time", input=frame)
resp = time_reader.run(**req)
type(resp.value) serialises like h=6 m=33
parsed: h=12 m=51
